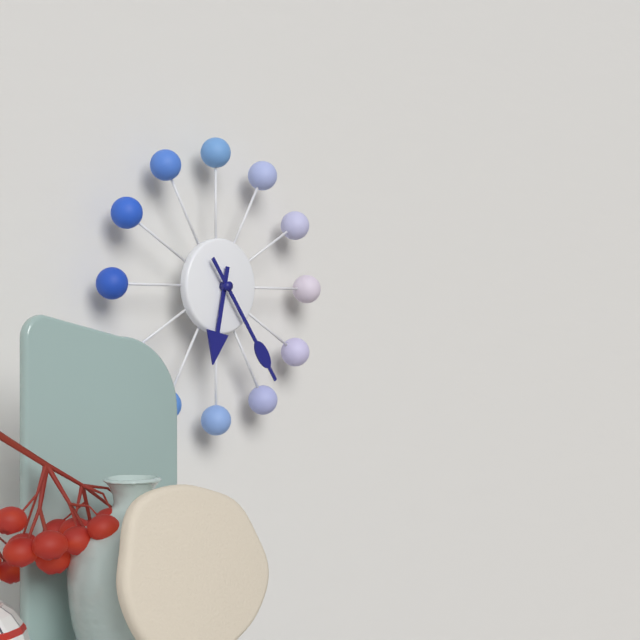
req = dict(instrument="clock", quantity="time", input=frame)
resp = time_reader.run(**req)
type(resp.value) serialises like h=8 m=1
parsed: h=6 m=24
